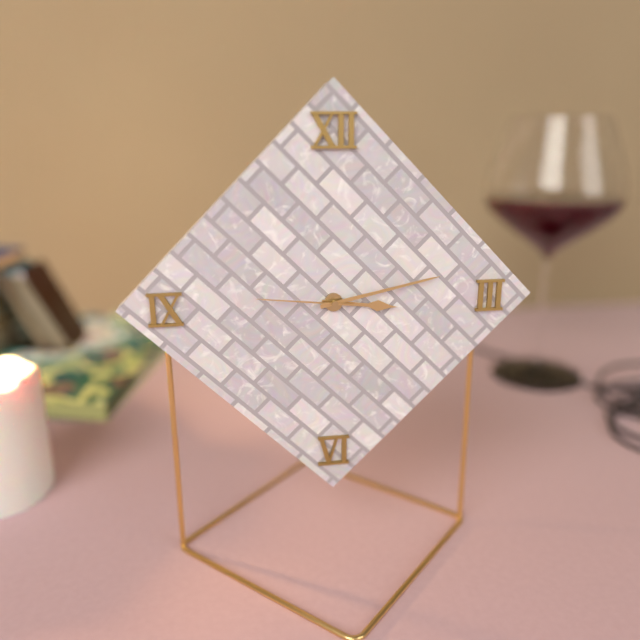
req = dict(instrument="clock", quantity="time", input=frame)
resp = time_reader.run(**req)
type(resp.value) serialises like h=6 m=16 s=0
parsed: h=3 m=13 s=46
